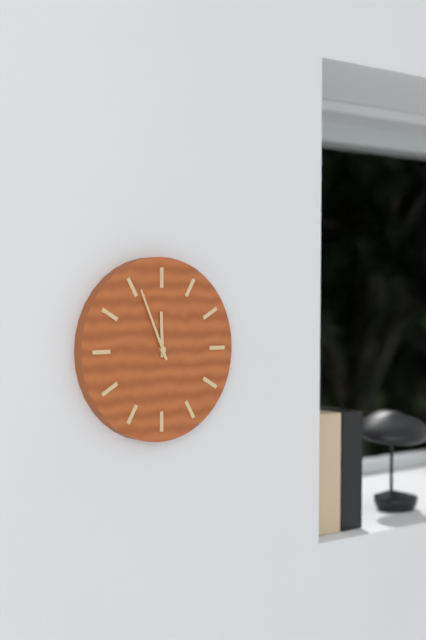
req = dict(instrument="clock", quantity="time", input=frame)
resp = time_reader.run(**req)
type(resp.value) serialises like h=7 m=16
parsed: h=11 m=56
